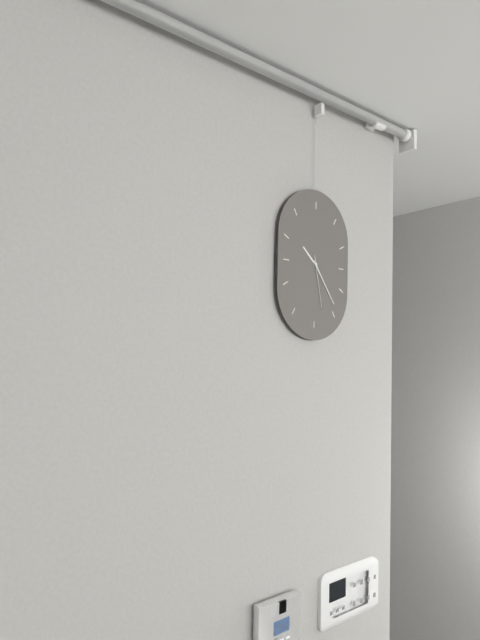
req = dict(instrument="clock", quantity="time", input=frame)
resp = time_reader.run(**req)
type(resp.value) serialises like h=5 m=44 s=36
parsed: h=10 m=24 s=28
